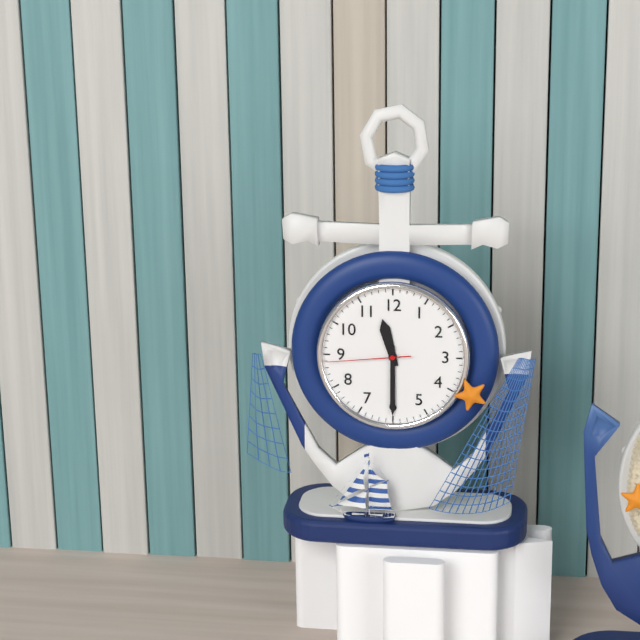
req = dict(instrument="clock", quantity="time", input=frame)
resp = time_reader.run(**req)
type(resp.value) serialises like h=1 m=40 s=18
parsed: h=11 m=30 s=44
